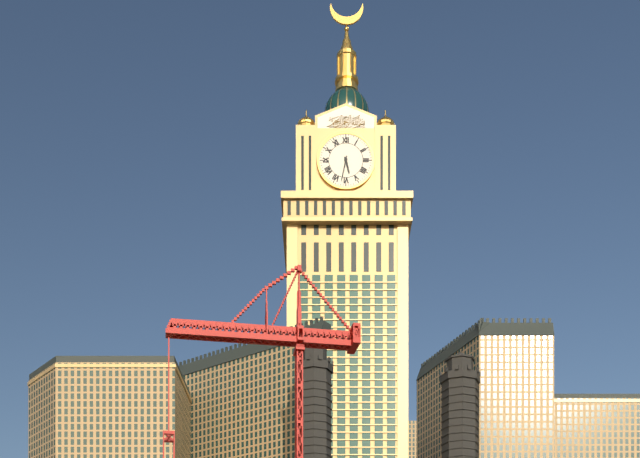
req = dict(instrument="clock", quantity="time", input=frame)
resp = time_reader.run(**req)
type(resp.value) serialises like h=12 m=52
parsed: h=5 m=32
